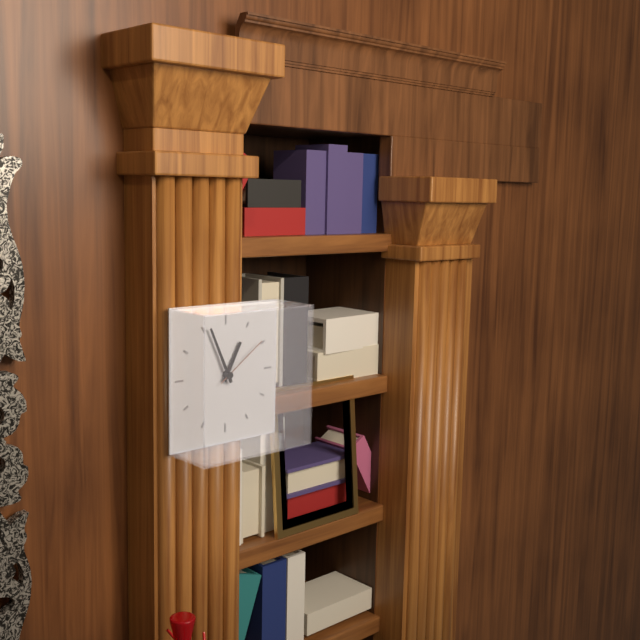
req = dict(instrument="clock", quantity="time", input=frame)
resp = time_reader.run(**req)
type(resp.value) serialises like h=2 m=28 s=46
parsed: h=12 m=56 s=9
